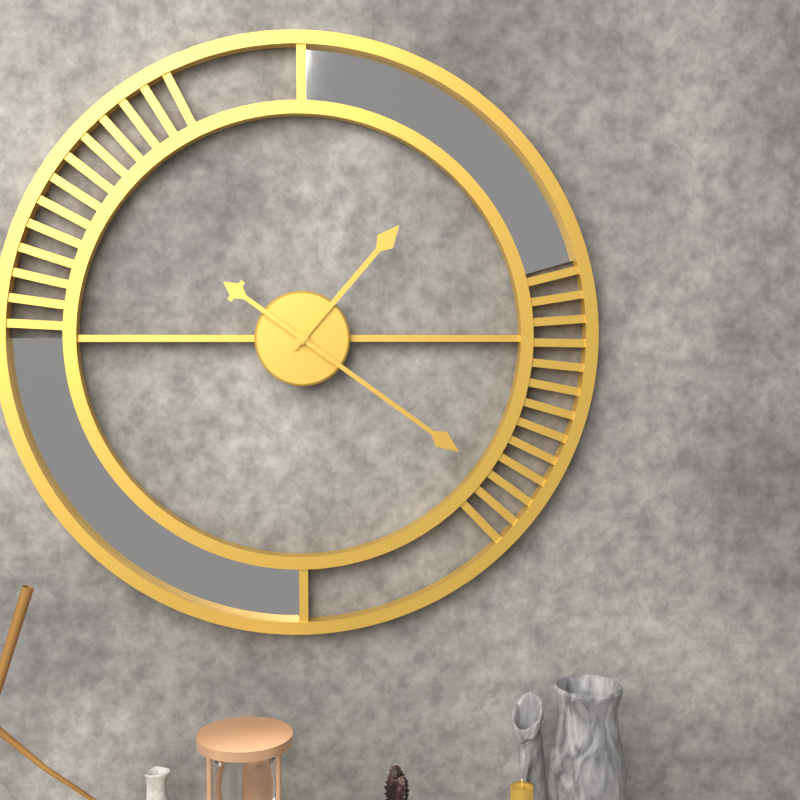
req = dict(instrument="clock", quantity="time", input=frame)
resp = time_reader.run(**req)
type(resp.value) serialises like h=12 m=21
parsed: h=1 m=21
